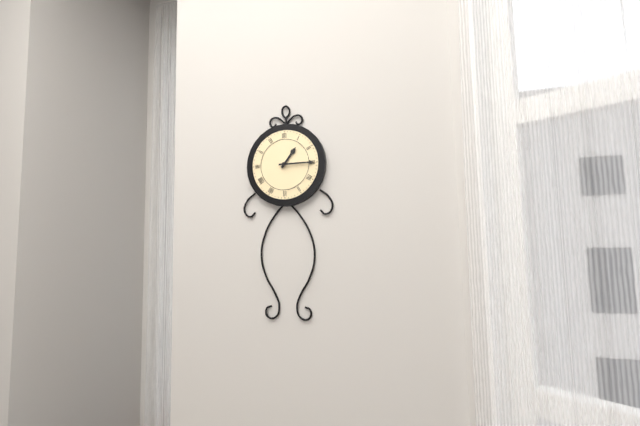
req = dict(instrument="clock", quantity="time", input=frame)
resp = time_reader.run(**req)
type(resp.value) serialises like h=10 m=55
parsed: h=1 m=15
